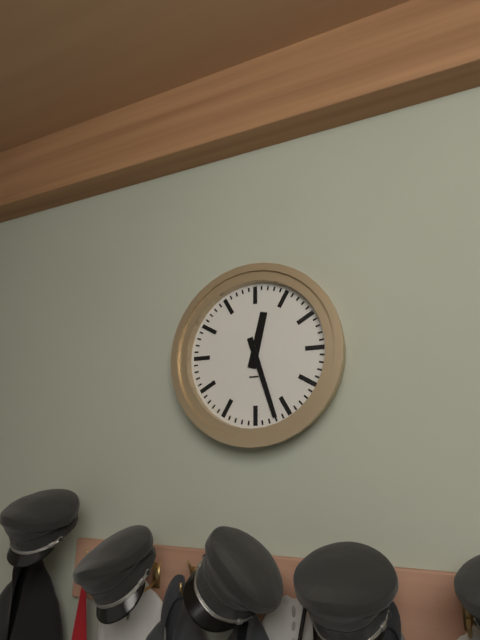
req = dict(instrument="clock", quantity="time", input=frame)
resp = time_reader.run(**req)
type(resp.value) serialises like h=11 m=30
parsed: h=12 m=27
